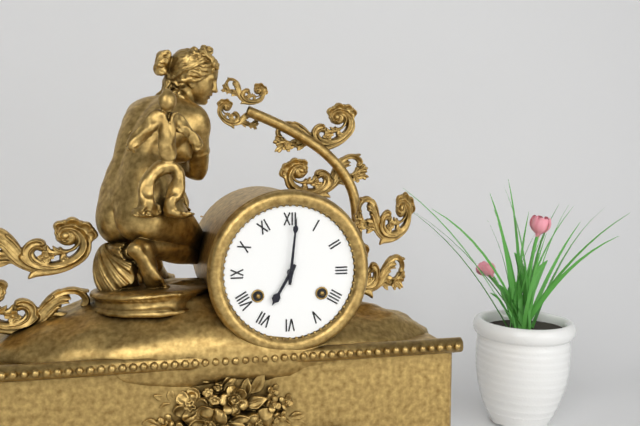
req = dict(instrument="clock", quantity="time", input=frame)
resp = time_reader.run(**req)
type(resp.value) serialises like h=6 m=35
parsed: h=7 m=1
